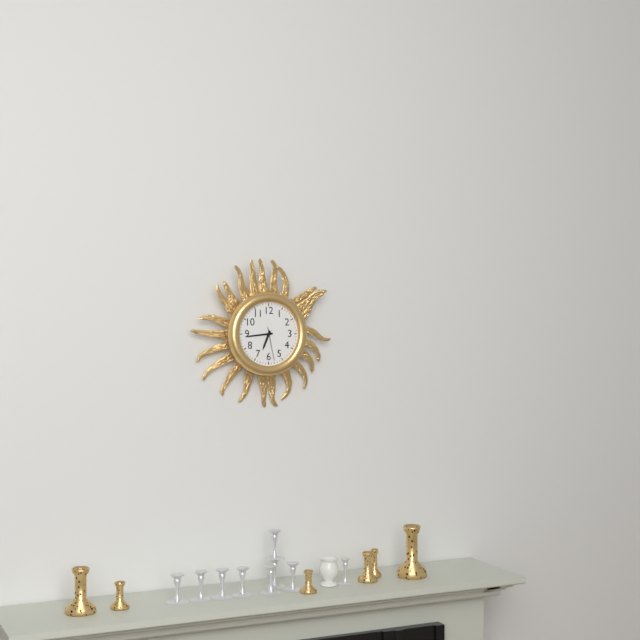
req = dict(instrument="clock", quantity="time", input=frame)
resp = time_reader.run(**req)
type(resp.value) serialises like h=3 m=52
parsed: h=6 m=44
